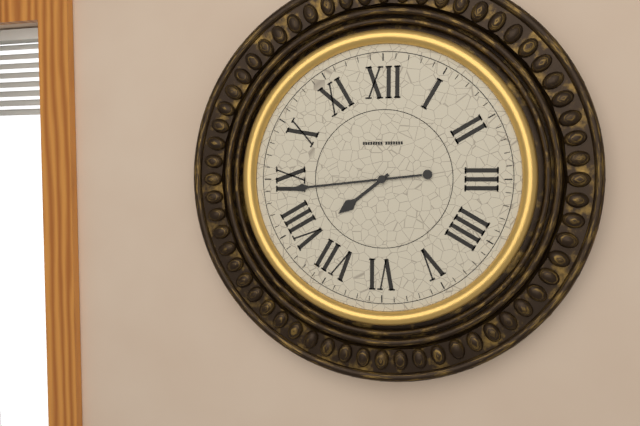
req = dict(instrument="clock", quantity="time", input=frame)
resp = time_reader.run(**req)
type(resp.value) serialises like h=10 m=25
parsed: h=7 m=44
